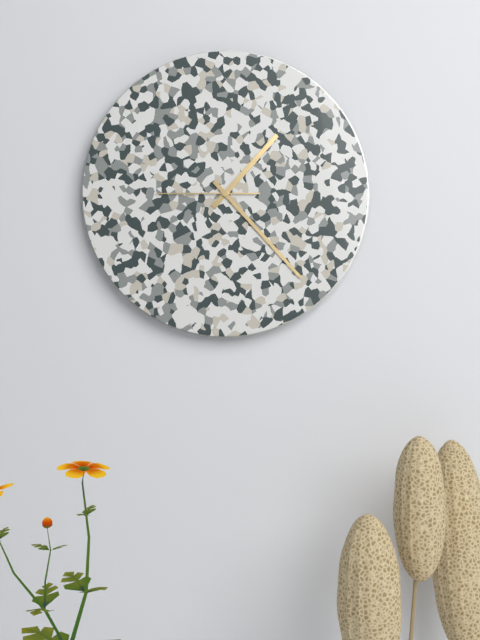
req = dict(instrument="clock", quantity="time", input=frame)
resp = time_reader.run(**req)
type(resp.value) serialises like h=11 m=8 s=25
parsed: h=1 m=23 s=45
